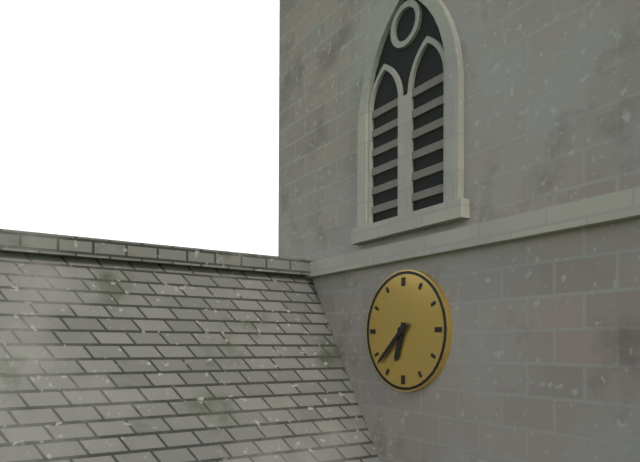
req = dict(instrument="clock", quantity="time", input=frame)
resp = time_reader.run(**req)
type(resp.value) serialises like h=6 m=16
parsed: h=6 m=38
